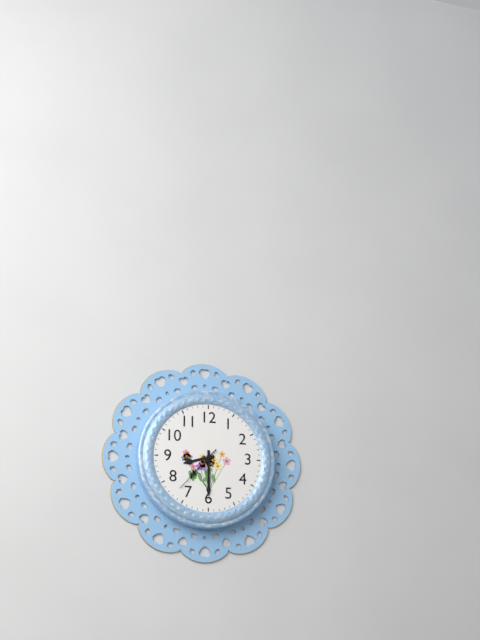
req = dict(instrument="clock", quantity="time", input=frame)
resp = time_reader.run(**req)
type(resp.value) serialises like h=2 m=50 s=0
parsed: h=8 m=30 s=37
